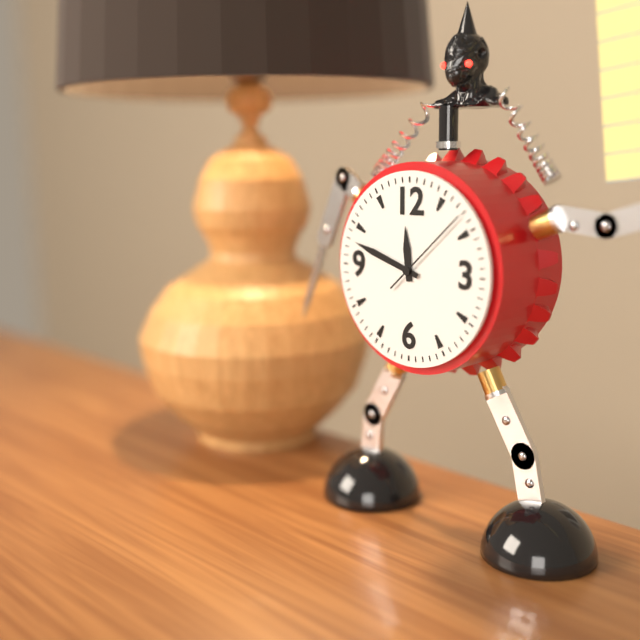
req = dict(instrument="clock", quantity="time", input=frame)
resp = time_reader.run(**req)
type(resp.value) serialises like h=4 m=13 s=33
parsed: h=11 m=48 s=8
